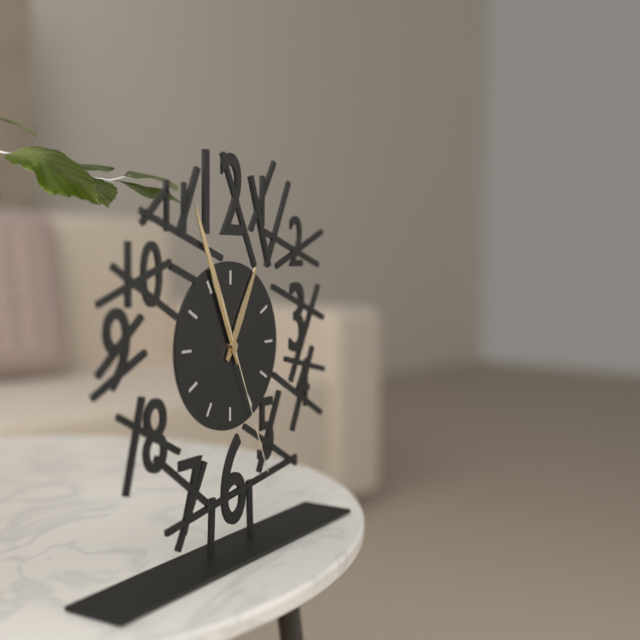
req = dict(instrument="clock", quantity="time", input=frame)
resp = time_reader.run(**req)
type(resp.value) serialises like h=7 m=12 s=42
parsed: h=12 m=56 s=26
